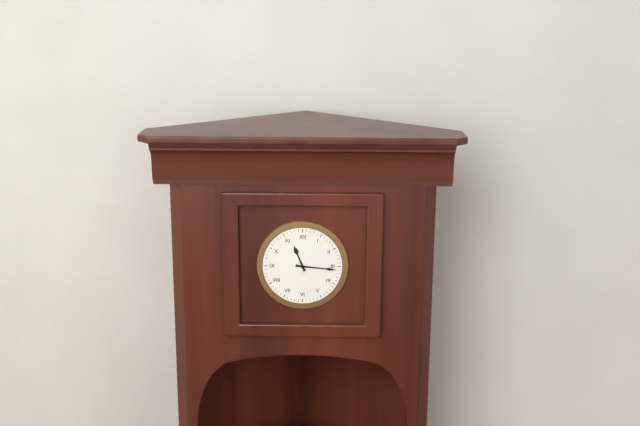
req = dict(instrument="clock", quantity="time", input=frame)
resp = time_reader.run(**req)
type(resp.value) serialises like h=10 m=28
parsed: h=11 m=16
